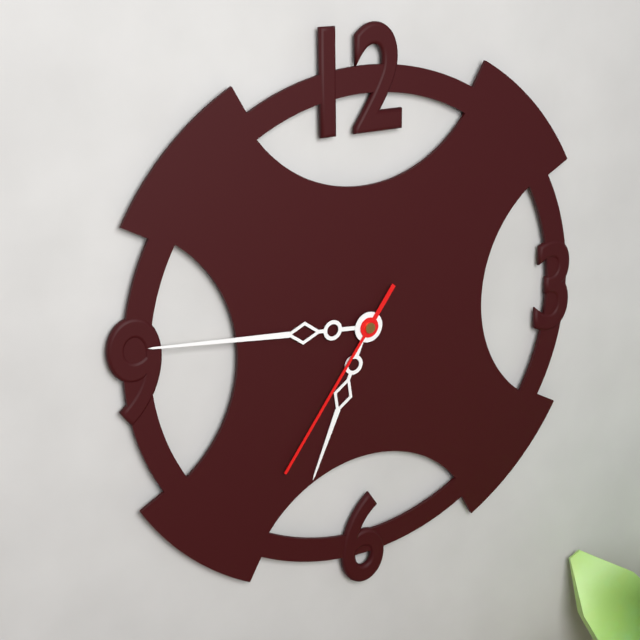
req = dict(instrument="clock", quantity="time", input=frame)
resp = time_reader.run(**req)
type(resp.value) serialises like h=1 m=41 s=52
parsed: h=6 m=46 s=36
